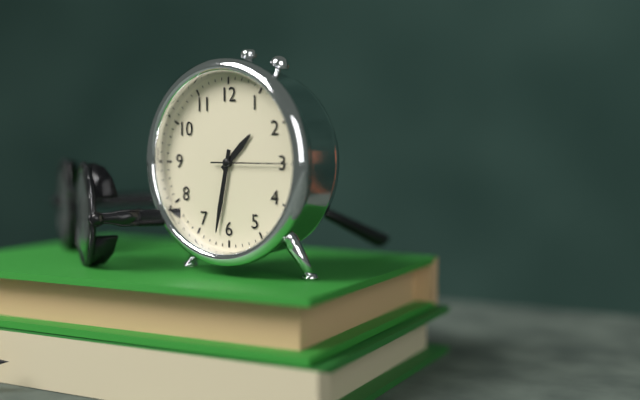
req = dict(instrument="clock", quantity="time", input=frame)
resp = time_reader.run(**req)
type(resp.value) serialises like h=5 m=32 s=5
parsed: h=1 m=32 s=15
